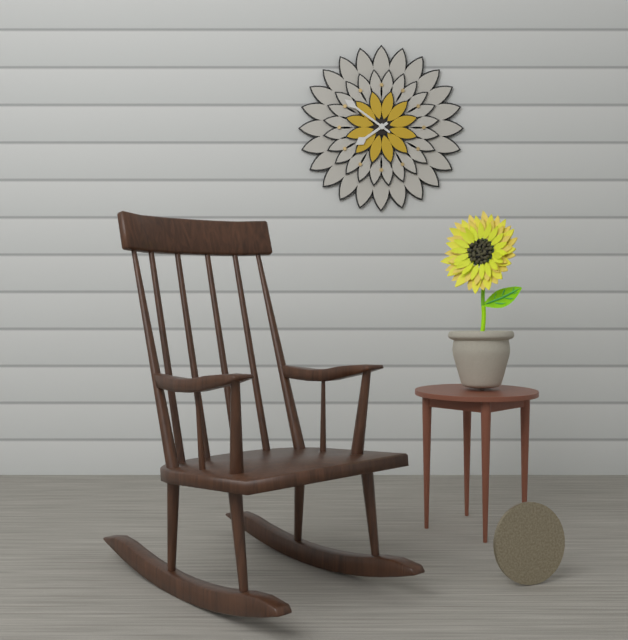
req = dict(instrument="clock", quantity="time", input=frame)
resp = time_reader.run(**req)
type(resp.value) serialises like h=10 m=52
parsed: h=7 m=51
